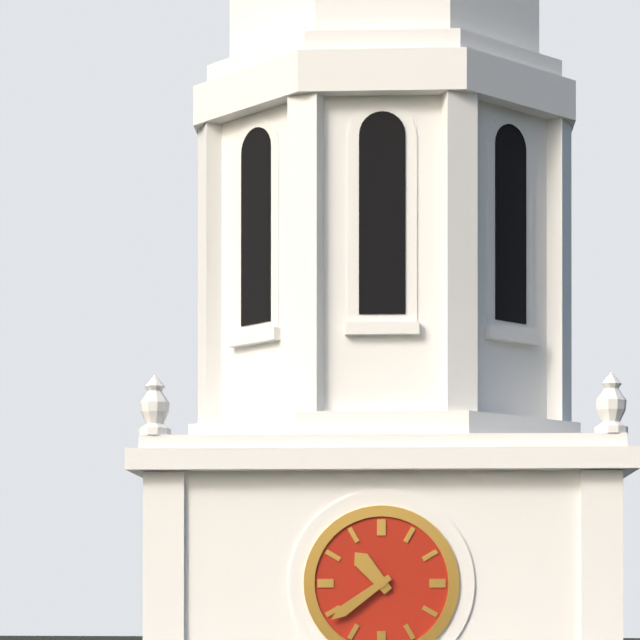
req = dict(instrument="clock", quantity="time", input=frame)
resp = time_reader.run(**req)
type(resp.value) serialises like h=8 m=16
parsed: h=10 m=39
